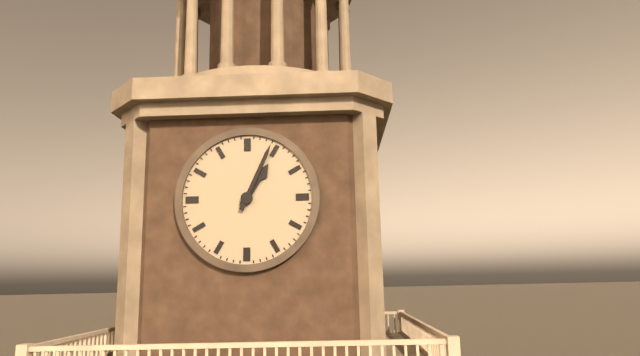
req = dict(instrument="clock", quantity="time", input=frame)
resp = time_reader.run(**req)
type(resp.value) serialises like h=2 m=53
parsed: h=1 m=4
